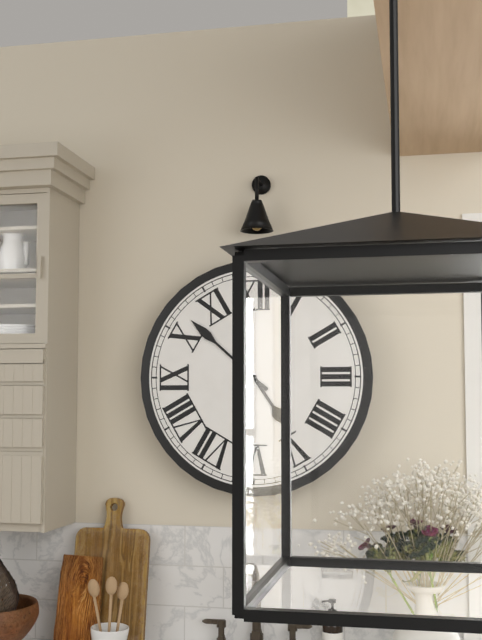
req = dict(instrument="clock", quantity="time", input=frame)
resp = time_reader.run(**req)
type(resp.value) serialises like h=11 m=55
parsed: h=4 m=52
